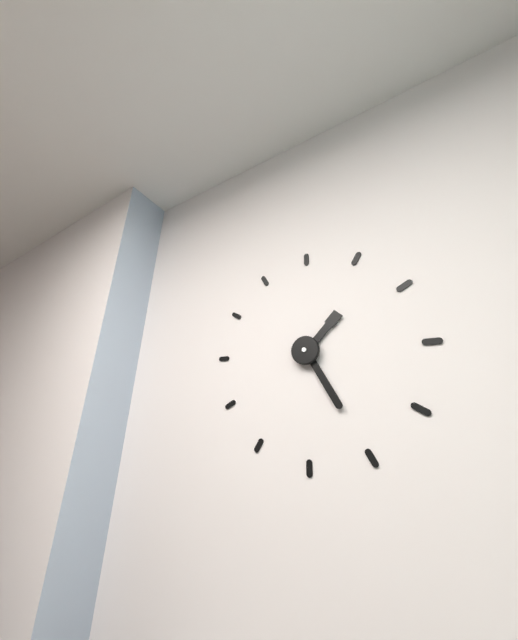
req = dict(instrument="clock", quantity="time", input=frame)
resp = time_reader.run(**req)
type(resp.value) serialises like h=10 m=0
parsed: h=1 m=25
